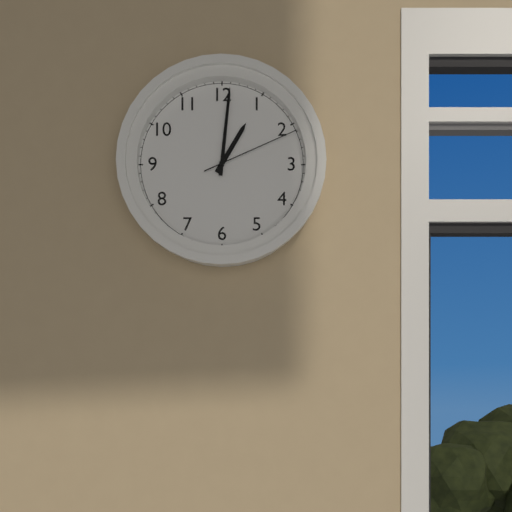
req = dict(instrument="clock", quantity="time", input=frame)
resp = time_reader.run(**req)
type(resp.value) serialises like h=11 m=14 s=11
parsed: h=1 m=1 s=11
